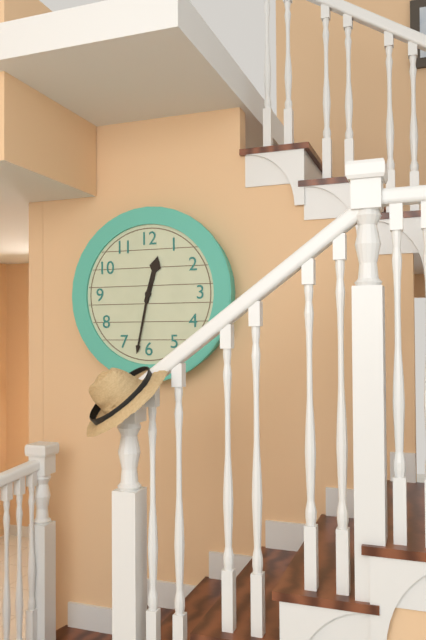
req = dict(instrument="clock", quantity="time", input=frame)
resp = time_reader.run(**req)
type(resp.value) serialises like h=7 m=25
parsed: h=12 m=32
